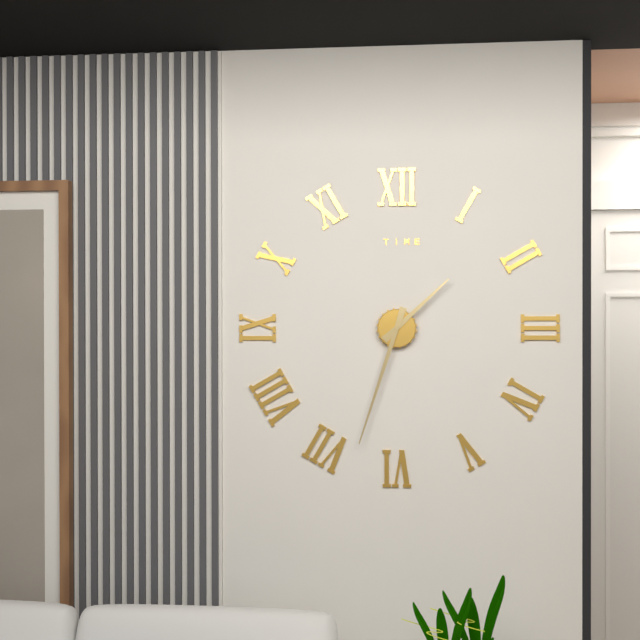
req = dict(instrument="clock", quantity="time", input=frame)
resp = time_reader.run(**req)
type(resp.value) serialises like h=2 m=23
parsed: h=1 m=33
